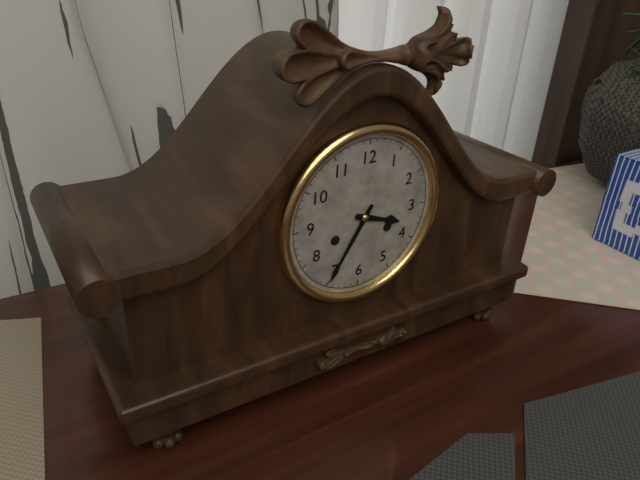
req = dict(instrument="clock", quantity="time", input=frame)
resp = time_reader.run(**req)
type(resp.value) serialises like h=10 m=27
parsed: h=3 m=35
